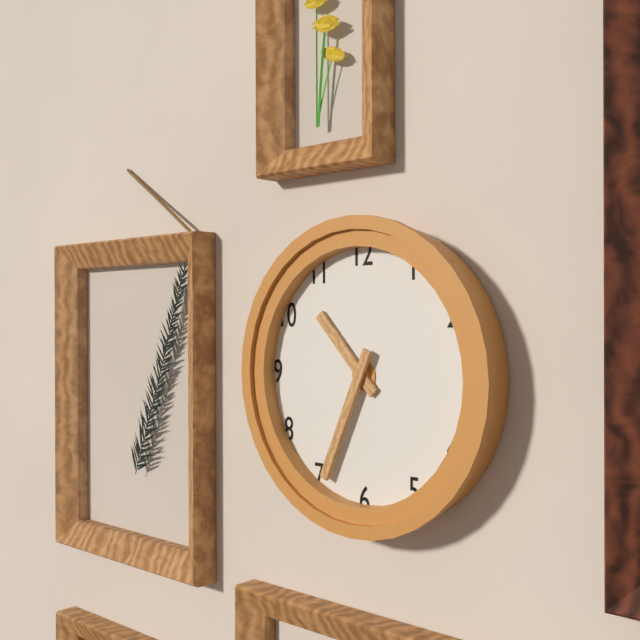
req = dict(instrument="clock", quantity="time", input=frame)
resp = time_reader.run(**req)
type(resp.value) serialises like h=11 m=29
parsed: h=10 m=34
